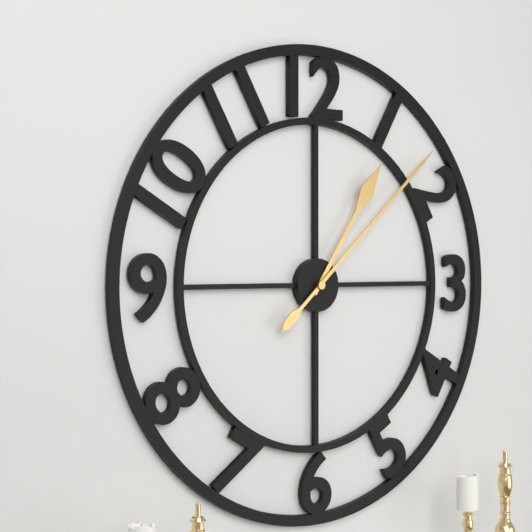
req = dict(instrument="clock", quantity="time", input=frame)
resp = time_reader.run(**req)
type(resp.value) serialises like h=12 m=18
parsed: h=1 m=8
